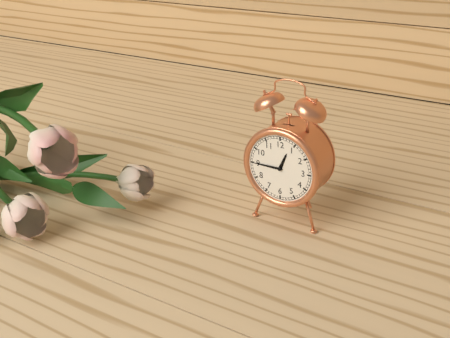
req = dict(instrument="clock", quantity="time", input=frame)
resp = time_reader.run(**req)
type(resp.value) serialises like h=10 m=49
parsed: h=12 m=45
